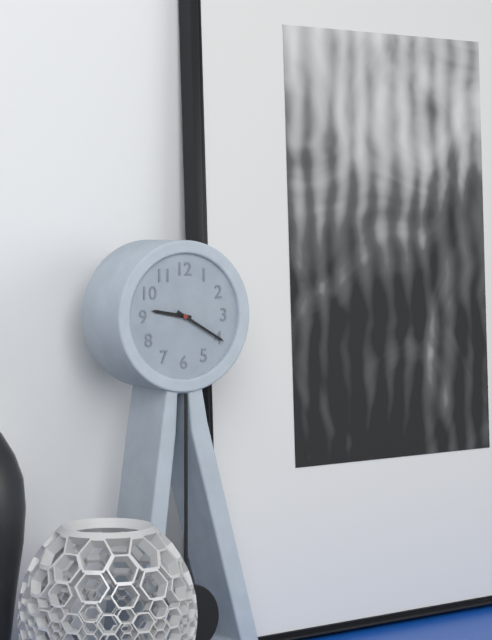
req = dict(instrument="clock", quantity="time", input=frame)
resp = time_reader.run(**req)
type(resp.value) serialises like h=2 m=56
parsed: h=9 m=20
